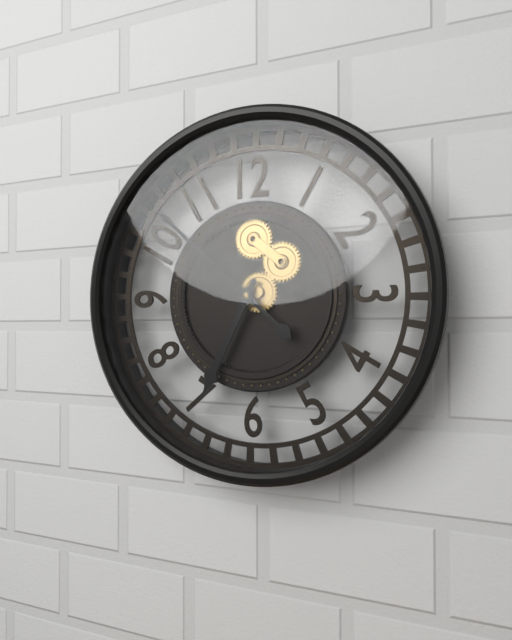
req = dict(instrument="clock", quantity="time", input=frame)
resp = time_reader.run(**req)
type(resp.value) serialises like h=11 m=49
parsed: h=6 m=52
